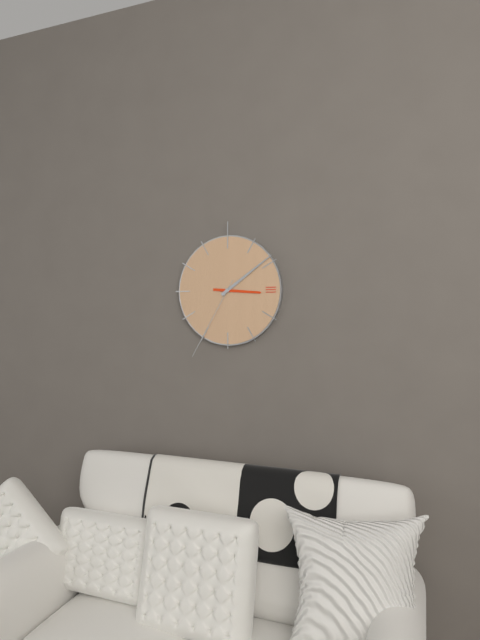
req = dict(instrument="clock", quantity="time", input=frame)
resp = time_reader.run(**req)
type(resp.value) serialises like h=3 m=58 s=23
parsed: h=3 m=9 s=35
